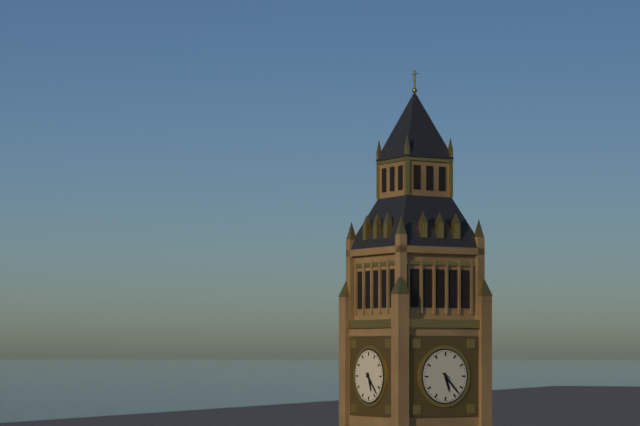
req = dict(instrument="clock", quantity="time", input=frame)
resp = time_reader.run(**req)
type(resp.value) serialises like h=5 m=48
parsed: h=5 m=23
